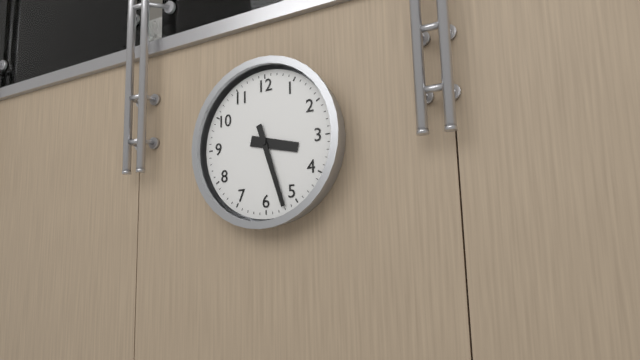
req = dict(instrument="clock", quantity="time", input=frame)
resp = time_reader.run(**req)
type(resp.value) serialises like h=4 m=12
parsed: h=3 m=27
